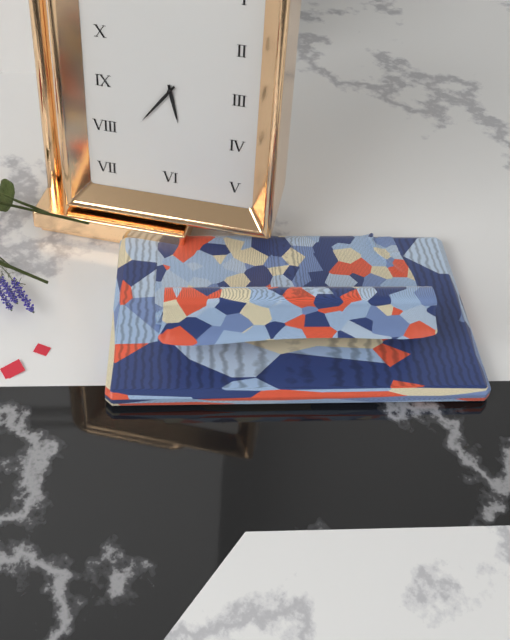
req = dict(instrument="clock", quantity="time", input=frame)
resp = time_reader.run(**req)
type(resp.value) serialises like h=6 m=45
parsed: h=5 m=36
